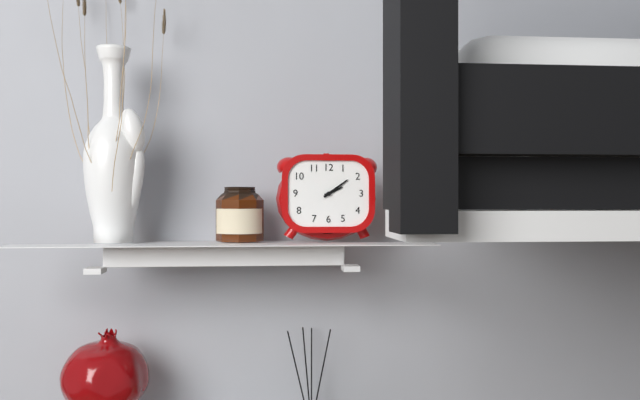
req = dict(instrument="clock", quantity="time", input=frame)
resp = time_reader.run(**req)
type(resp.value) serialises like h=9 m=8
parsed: h=2 m=9
